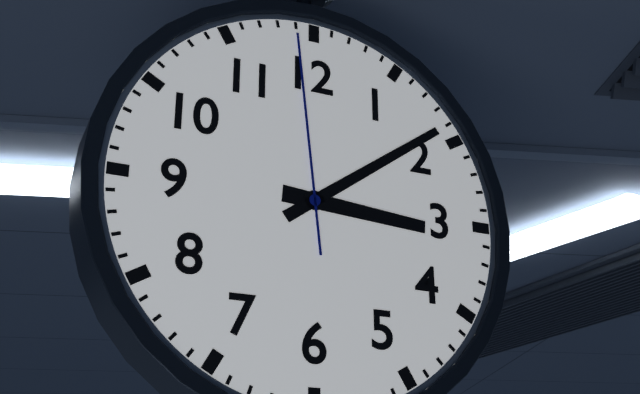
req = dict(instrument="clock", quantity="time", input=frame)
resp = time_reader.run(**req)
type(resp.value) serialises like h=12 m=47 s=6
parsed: h=3 m=9 s=59
